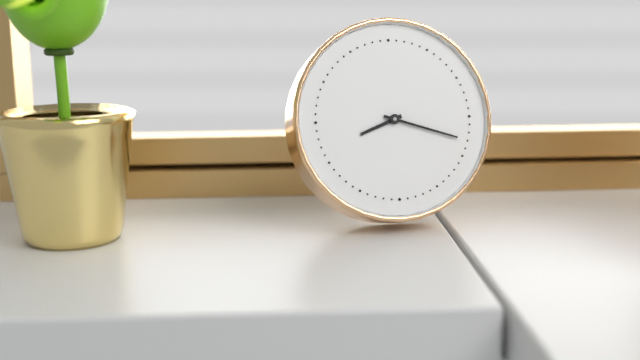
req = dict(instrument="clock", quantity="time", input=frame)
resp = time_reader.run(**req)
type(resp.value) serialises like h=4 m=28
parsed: h=8 m=18
